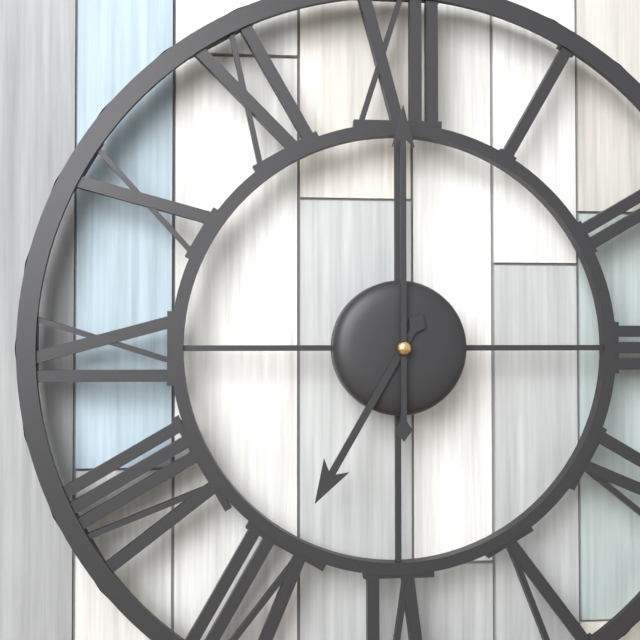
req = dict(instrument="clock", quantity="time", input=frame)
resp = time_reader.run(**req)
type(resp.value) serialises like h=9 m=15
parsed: h=7 m=0
